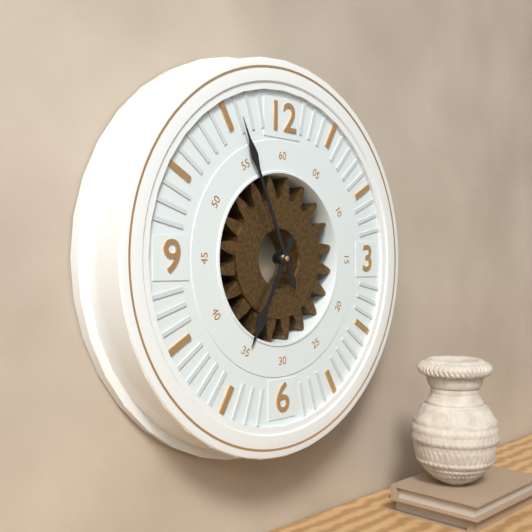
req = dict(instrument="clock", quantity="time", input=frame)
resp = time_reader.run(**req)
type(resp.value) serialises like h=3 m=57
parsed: h=6 m=56
